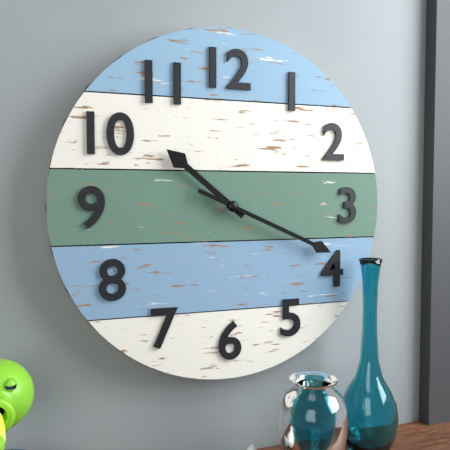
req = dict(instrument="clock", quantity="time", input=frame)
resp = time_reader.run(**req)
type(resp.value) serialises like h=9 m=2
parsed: h=10 m=19
